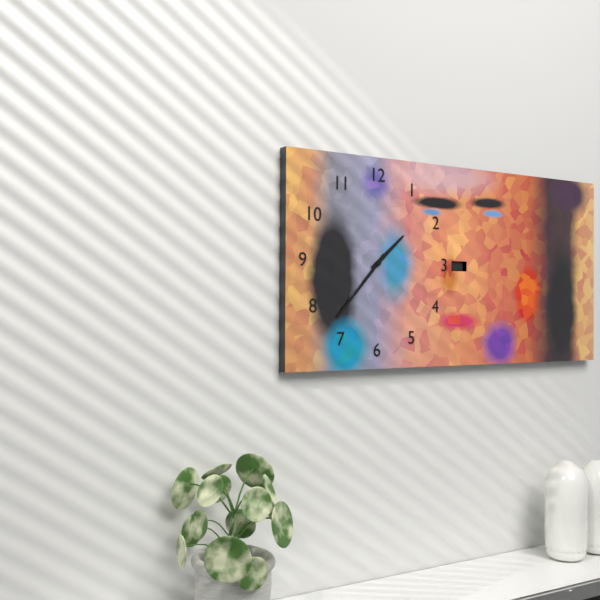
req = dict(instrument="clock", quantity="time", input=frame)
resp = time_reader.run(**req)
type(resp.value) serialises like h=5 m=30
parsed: h=1 m=37
